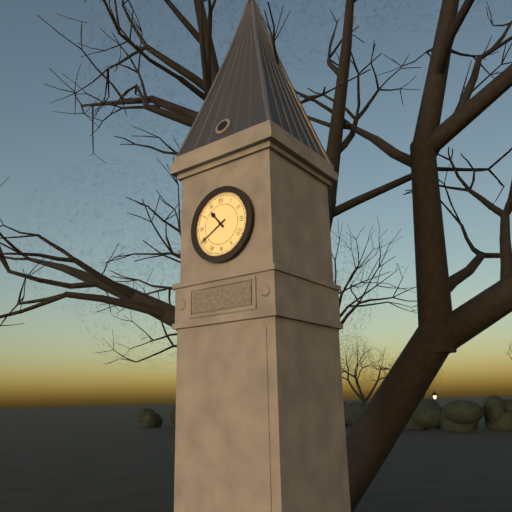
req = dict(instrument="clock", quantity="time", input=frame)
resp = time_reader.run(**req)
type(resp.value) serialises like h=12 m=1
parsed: h=10 m=40
